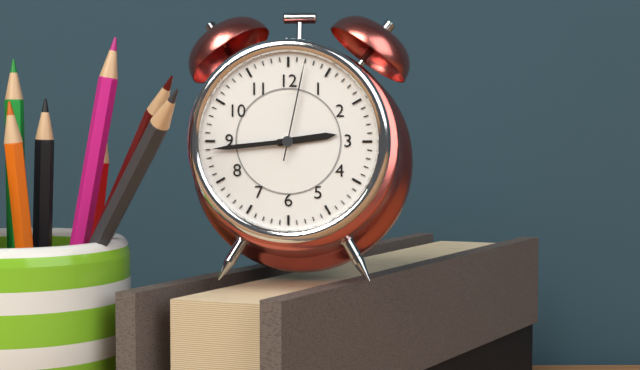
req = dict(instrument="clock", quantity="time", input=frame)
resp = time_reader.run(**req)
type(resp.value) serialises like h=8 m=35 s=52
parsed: h=2 m=44 s=2
